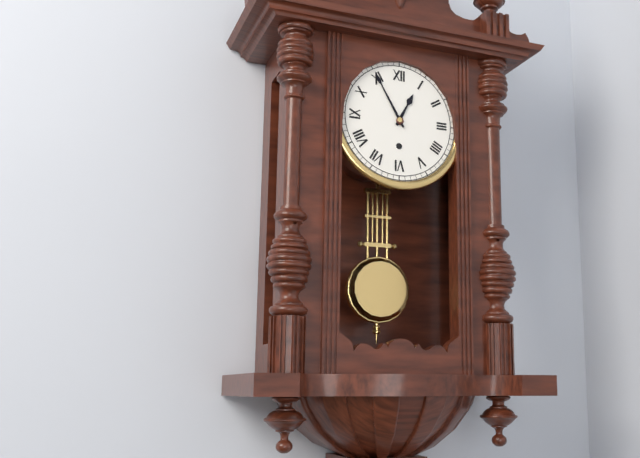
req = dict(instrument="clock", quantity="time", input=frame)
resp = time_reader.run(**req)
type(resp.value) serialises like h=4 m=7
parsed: h=12 m=55
